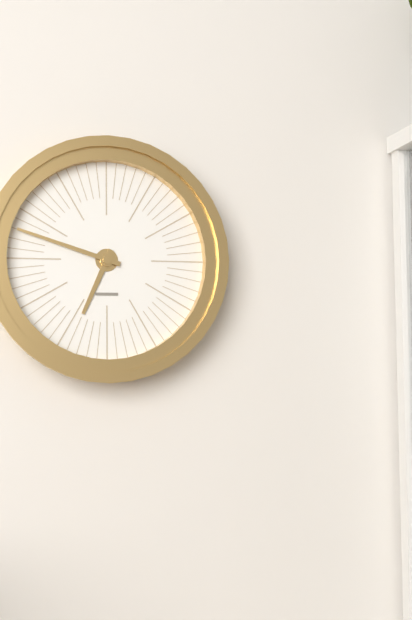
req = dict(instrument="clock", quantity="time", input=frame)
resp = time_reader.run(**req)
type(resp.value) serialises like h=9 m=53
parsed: h=6 m=48
